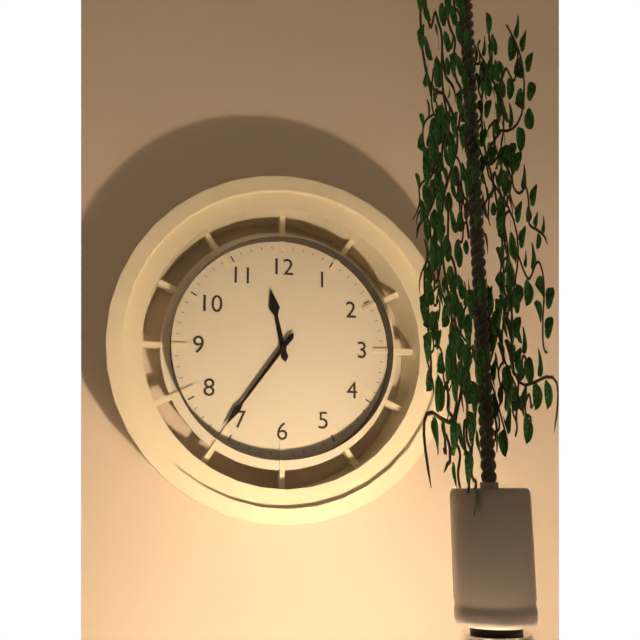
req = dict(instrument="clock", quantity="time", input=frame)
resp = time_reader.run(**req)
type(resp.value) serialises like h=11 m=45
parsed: h=11 m=36
